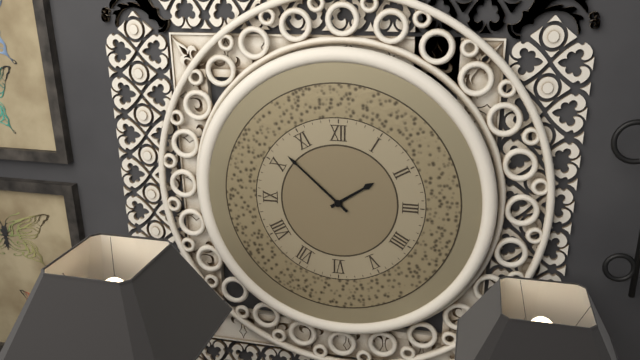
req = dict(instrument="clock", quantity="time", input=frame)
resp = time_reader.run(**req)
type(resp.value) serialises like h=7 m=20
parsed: h=1 m=52
